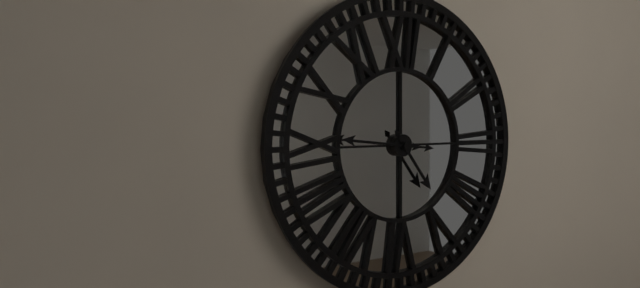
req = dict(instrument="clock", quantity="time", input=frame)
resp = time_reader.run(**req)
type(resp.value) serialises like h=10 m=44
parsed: h=4 m=46
